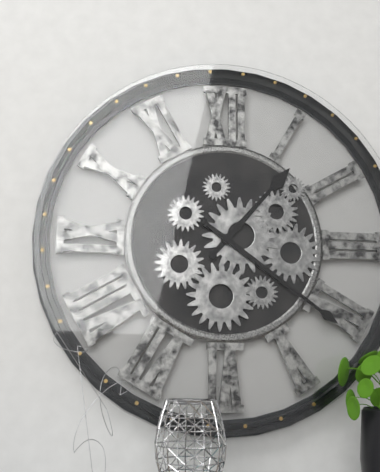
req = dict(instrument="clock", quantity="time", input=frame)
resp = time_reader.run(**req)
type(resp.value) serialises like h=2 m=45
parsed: h=1 m=21
